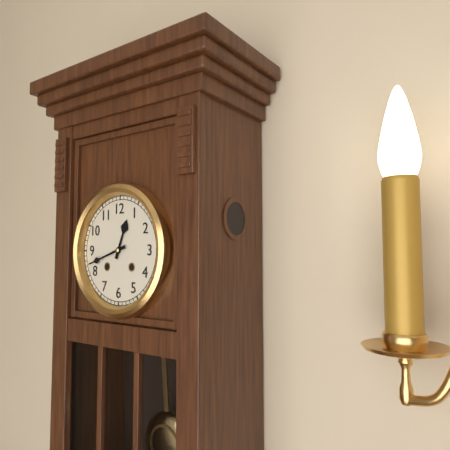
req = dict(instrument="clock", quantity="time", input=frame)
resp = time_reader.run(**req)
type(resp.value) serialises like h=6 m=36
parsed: h=12 m=42
